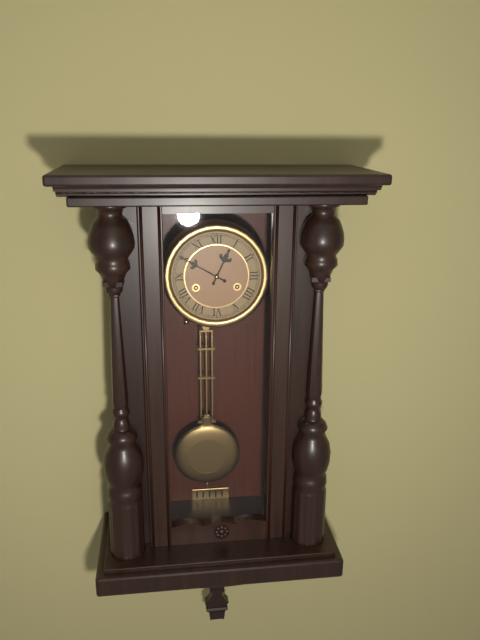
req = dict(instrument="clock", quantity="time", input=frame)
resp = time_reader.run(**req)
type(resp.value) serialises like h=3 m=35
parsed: h=12 m=50
